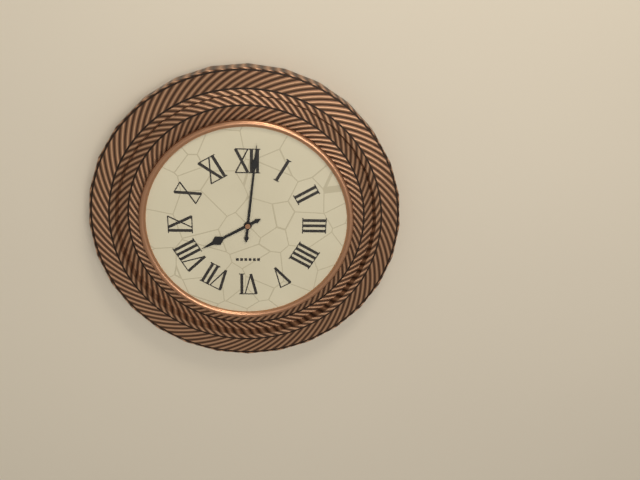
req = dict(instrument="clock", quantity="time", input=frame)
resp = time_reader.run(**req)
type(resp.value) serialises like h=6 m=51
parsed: h=8 m=1
